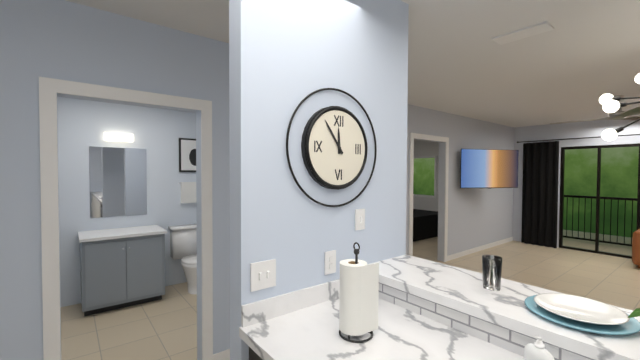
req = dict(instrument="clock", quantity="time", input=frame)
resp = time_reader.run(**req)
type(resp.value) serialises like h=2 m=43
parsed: h=11 m=54
